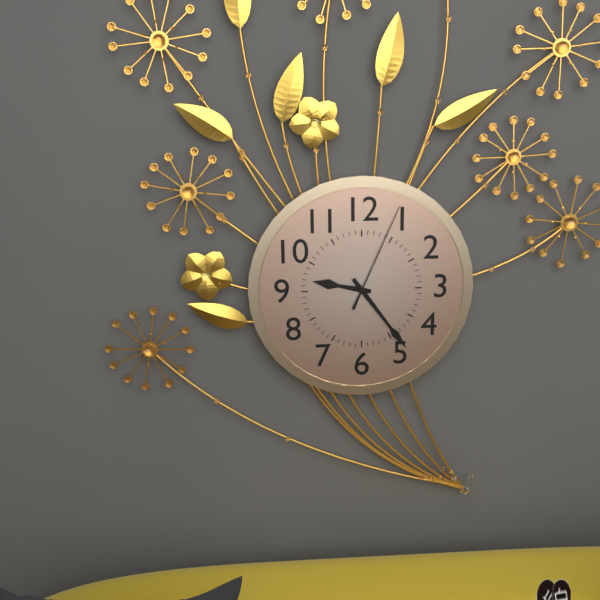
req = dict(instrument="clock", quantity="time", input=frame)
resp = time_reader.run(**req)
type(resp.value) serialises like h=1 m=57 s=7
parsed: h=9 m=24 s=4
